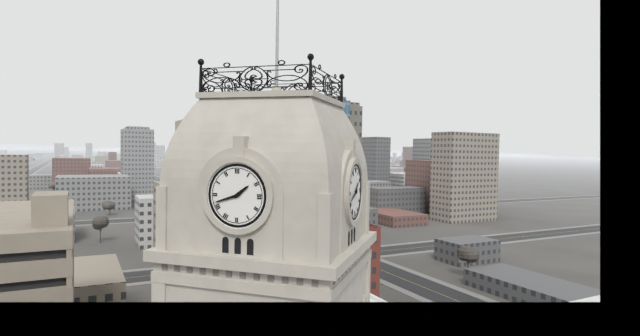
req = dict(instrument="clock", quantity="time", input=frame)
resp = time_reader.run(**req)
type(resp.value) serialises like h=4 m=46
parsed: h=1 m=42
